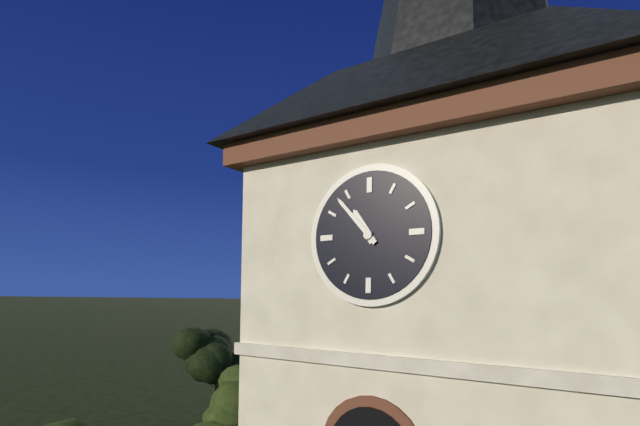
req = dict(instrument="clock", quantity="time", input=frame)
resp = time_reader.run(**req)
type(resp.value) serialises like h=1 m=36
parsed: h=10 m=53
